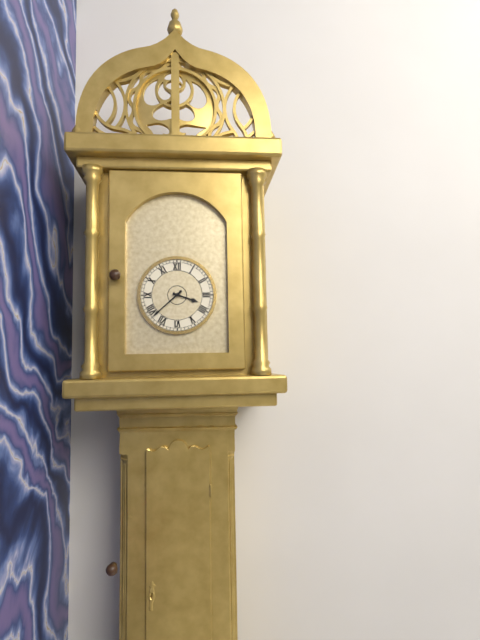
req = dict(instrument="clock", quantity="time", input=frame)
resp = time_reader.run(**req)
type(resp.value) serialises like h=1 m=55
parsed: h=3 m=38
